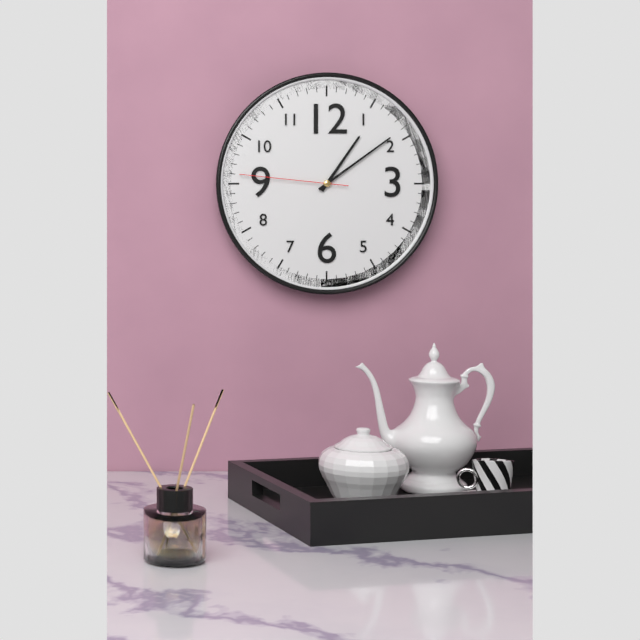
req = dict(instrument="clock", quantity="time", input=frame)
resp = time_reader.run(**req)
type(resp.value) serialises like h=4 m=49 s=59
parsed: h=1 m=9 s=46
